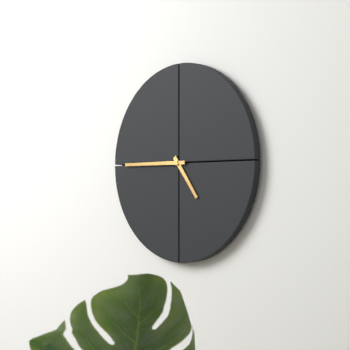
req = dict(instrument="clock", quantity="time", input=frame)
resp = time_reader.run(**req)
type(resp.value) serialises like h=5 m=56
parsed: h=4 m=45
